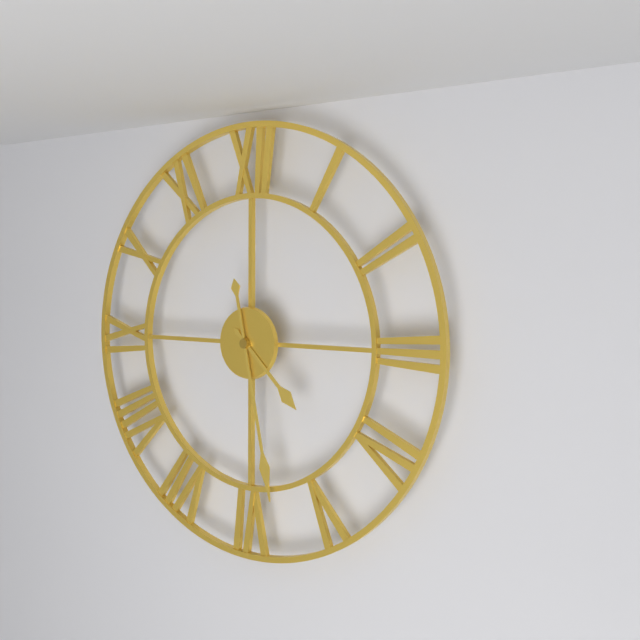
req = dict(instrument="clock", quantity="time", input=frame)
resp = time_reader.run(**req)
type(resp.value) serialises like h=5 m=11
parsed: h=4 m=28
